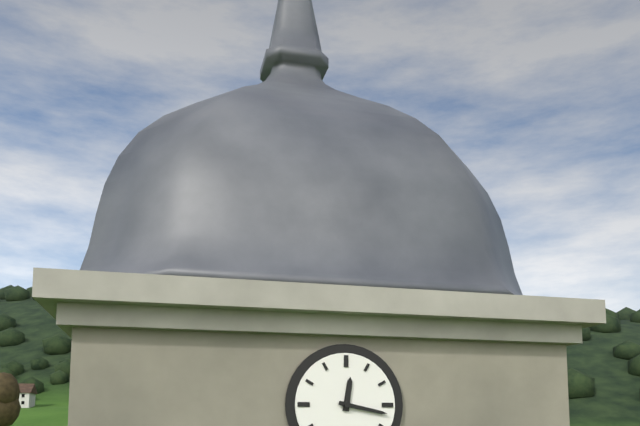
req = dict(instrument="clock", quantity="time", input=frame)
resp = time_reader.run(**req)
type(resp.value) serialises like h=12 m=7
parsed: h=12 m=17
